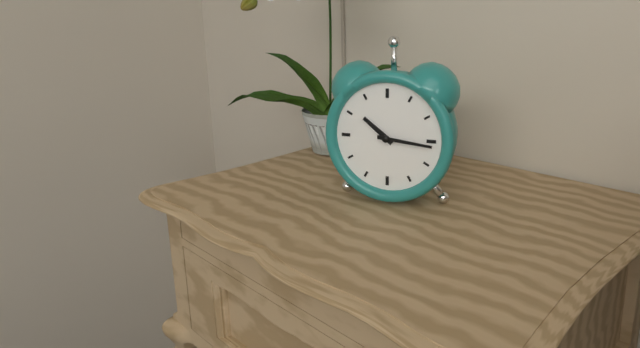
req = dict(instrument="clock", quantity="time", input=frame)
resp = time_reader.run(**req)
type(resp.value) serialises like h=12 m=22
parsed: h=10 m=16
